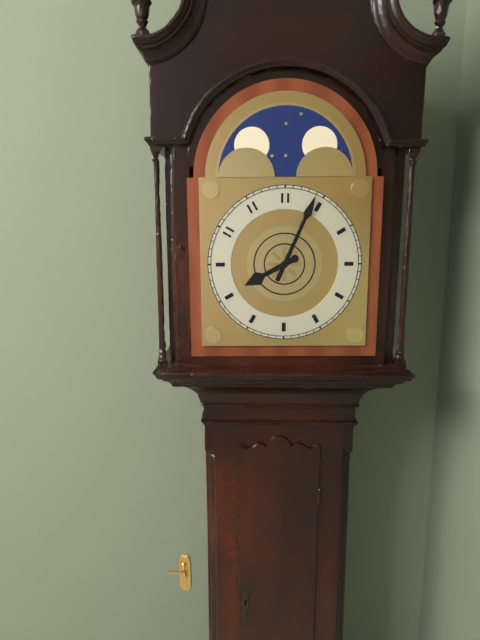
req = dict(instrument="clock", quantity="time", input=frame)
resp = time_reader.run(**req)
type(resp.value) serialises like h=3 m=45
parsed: h=8 m=4
